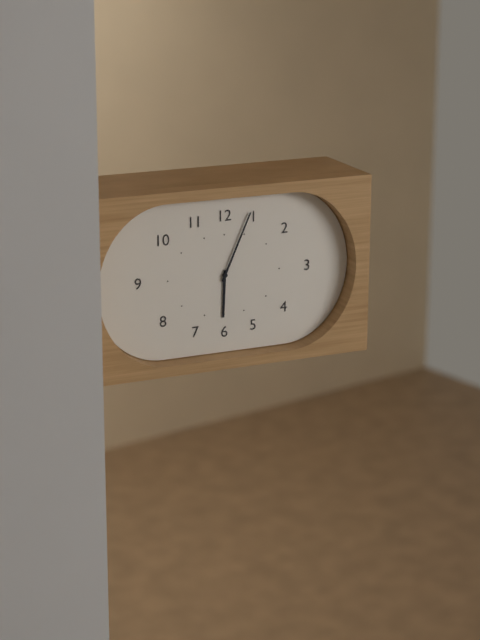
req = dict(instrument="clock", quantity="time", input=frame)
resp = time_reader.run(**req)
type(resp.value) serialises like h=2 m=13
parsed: h=6 m=4
